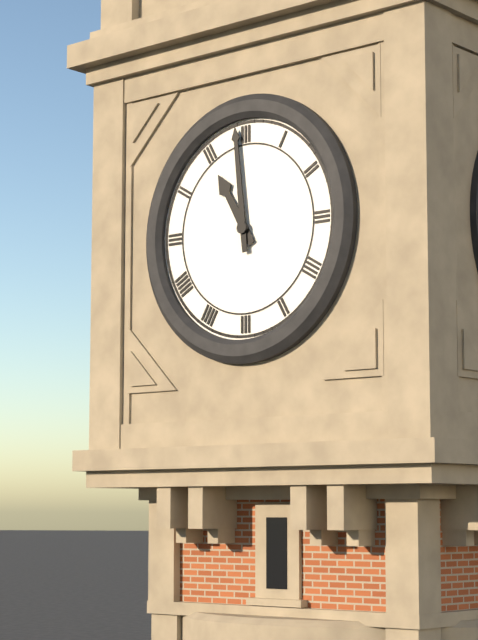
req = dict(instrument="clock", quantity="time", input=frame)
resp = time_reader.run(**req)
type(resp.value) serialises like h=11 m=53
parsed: h=10 m=59
